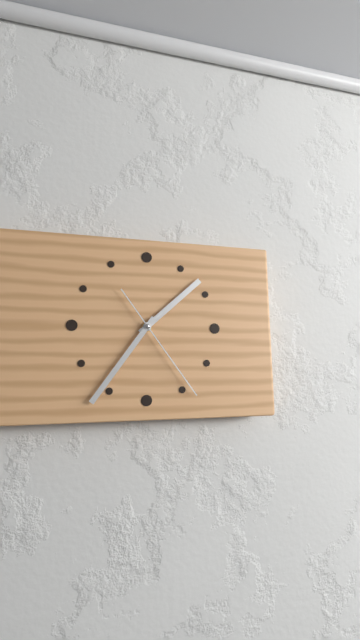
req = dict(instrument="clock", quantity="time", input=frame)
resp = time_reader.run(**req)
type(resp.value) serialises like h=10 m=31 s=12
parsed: h=1 m=36 s=24
